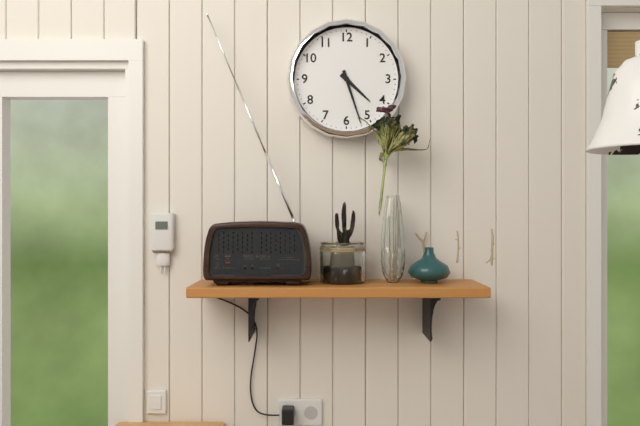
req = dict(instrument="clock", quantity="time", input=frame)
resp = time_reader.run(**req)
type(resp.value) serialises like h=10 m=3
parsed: h=4 m=27
